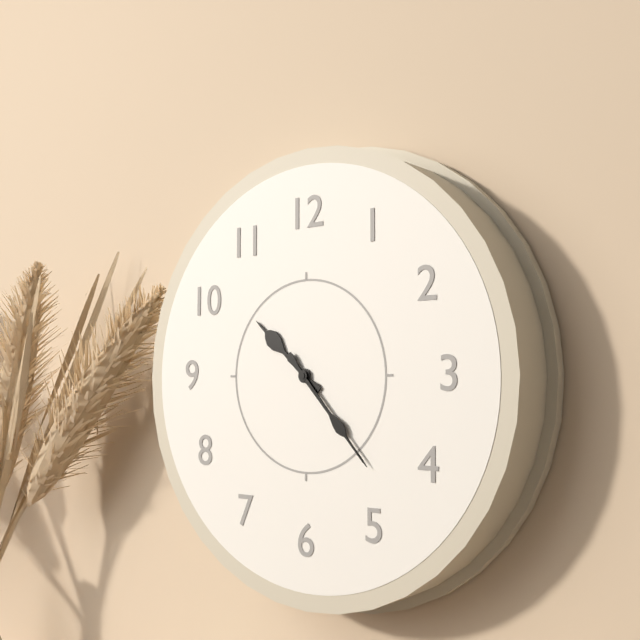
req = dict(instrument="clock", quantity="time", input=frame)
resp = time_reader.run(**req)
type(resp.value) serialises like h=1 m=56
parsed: h=10 m=23
